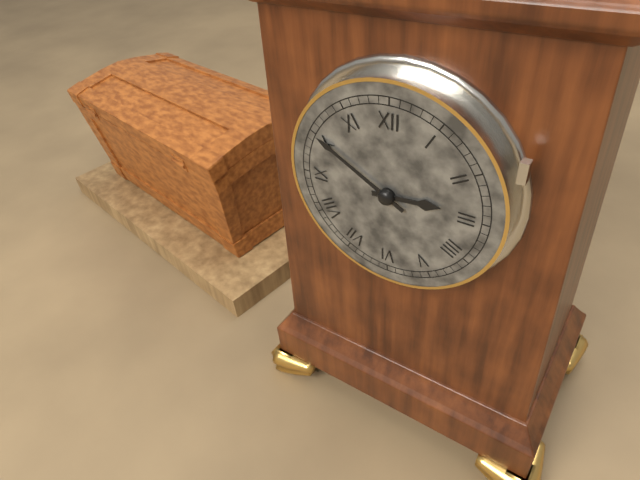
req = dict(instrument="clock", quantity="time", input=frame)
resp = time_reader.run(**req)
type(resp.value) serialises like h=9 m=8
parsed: h=2 m=50
